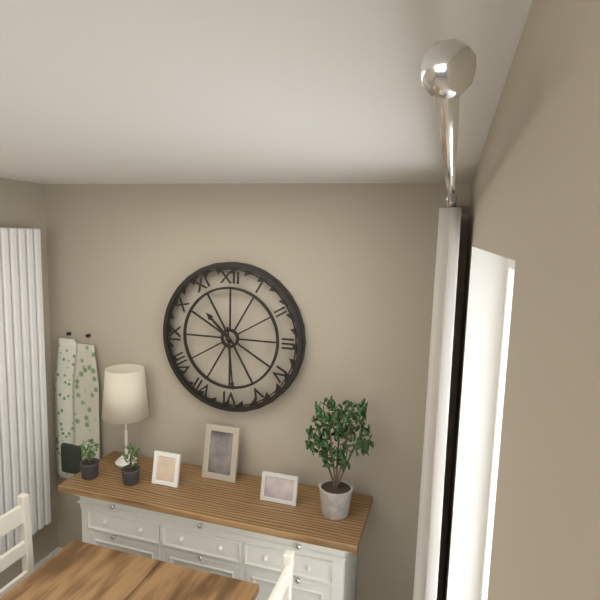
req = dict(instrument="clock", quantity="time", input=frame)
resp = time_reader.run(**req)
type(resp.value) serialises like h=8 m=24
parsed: h=10 m=29
